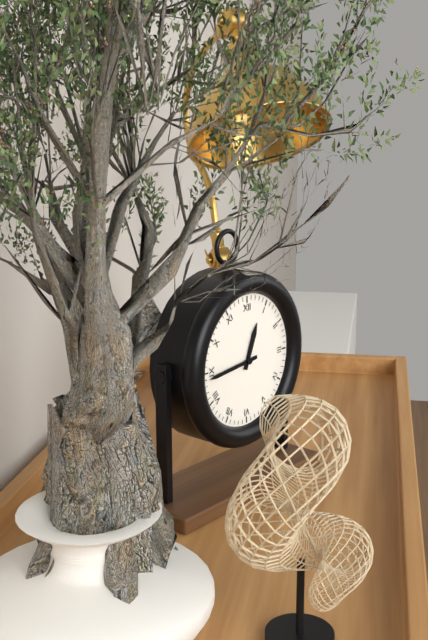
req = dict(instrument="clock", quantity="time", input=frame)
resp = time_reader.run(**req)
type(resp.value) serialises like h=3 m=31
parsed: h=12 m=44
